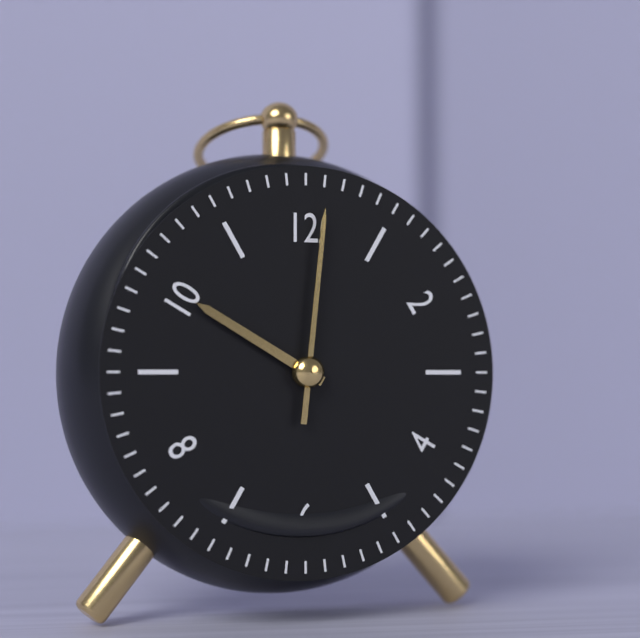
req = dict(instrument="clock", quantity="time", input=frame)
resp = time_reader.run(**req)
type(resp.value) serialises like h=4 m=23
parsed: h=10 m=1
